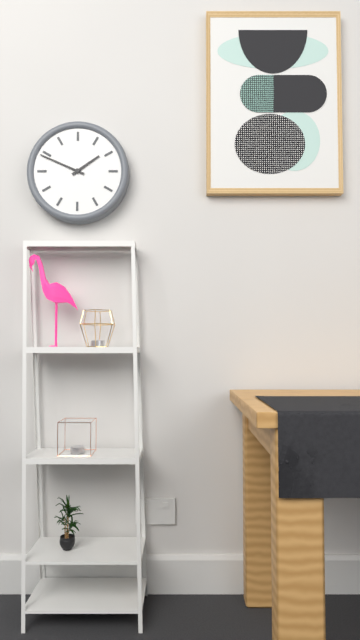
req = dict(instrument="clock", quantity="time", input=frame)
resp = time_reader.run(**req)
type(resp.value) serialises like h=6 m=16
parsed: h=1 m=49
